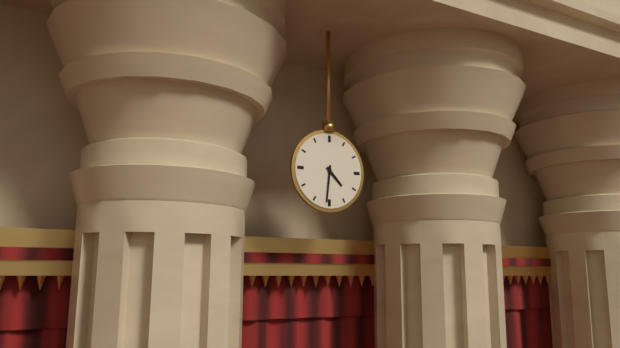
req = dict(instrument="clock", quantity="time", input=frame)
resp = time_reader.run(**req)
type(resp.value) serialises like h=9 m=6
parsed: h=4 m=31
